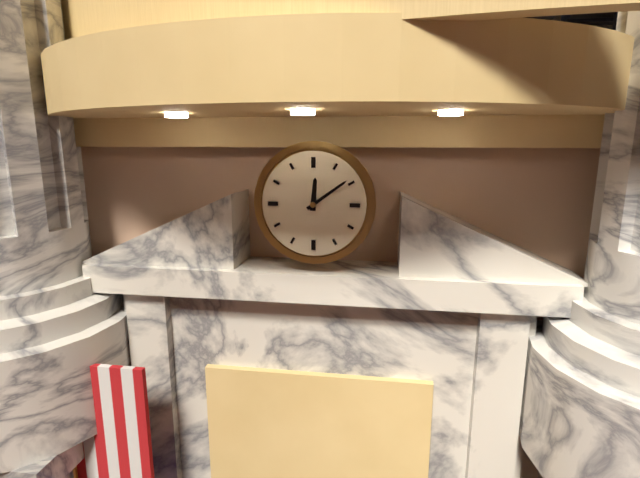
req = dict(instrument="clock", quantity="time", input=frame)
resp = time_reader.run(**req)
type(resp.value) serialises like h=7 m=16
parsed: h=12 m=9
